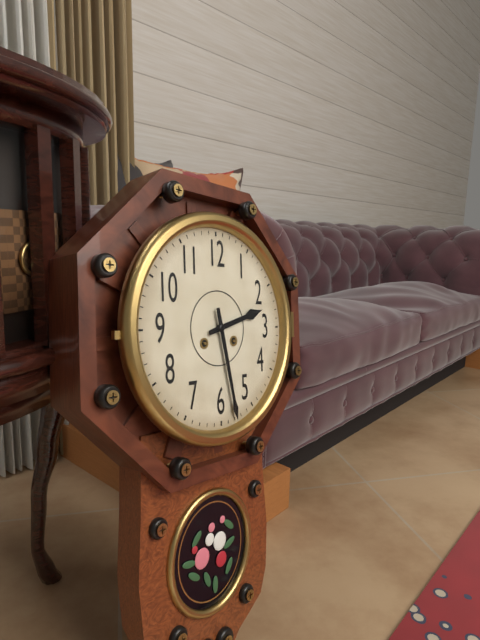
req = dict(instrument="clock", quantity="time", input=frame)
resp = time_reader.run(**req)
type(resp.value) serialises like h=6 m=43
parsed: h=2 m=28
